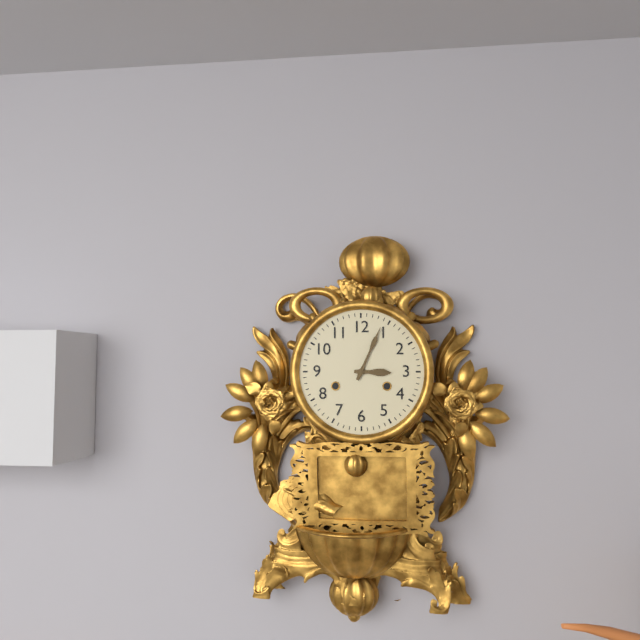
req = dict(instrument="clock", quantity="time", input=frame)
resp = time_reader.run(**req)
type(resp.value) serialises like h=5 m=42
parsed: h=3 m=4
